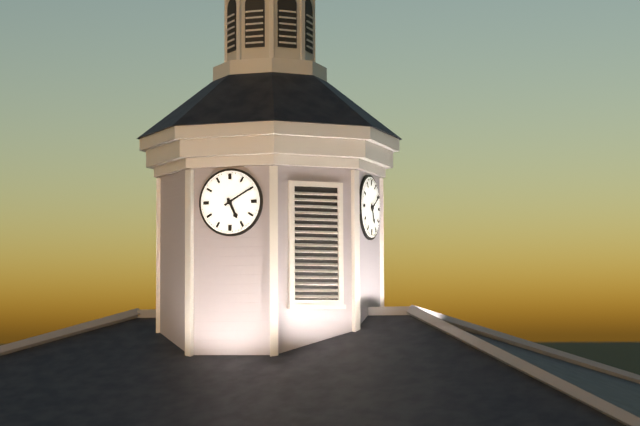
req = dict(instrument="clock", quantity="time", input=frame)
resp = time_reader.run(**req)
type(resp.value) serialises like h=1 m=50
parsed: h=5 m=10
